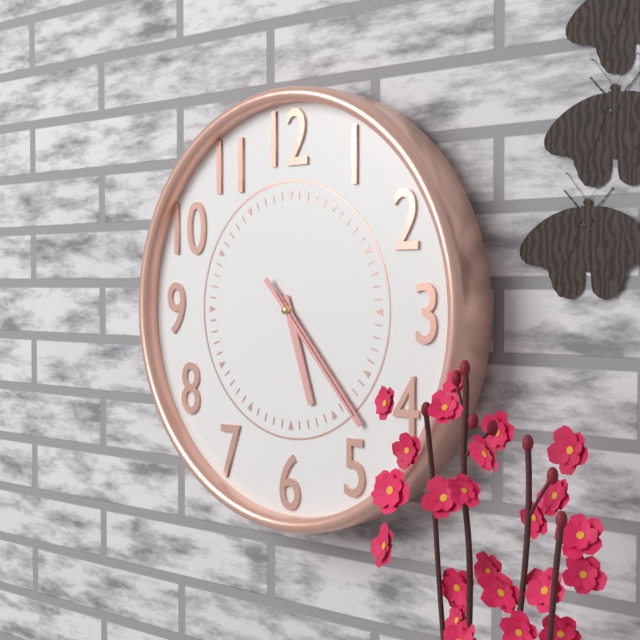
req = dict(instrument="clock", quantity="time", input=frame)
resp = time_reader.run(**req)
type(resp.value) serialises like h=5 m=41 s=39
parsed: h=5 m=23 s=23
